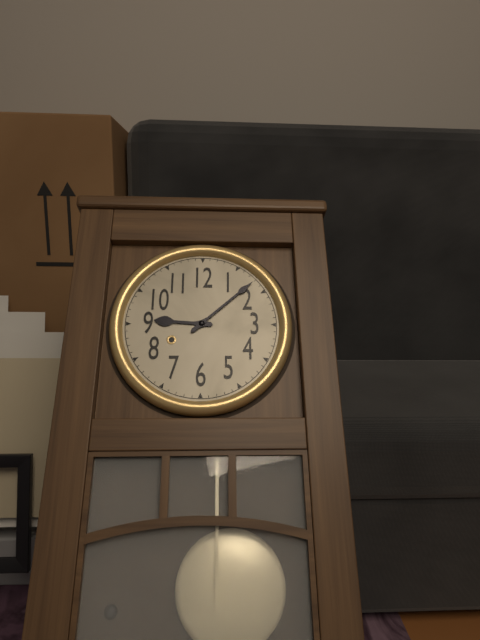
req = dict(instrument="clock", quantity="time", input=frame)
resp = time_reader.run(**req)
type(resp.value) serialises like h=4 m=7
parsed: h=9 m=8
